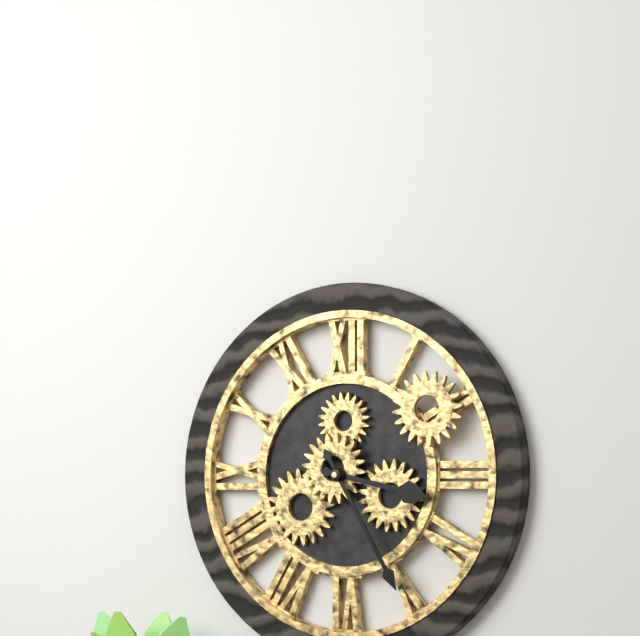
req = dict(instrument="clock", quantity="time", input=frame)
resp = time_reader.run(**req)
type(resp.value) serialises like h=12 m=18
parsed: h=3 m=25
